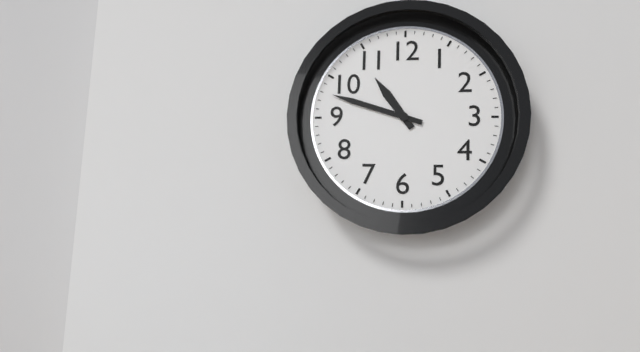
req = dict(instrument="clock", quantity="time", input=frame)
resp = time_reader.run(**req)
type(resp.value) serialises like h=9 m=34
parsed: h=10 m=48
